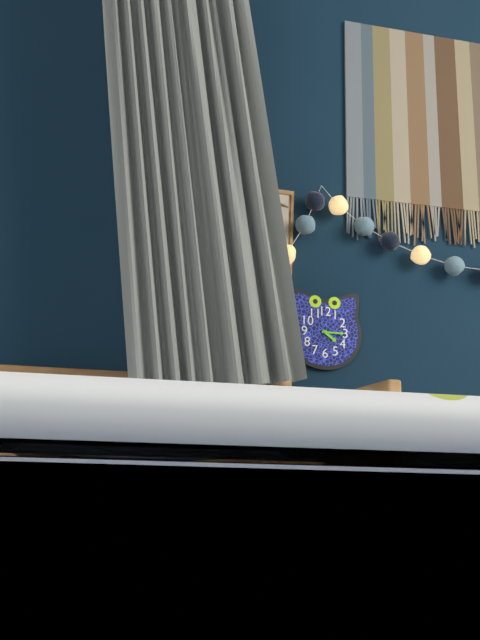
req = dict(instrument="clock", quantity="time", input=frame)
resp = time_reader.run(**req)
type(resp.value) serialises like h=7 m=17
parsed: h=4 m=15
